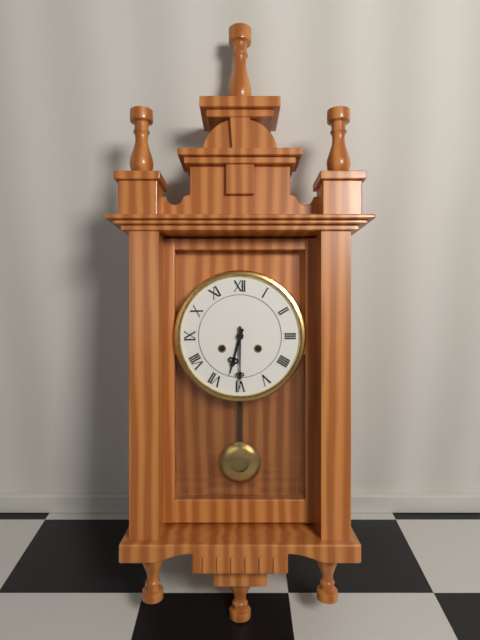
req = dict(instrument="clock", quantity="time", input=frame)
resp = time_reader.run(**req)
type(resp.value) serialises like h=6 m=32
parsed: h=6 m=30
